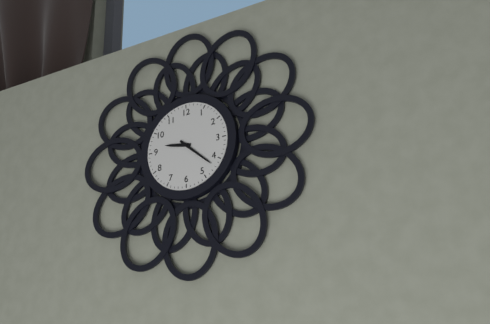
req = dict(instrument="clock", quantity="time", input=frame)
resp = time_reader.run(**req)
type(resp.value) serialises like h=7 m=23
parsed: h=9 m=22
